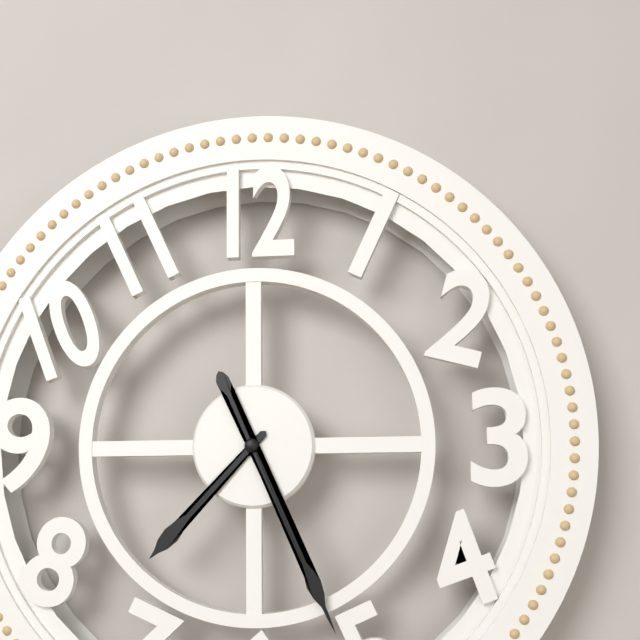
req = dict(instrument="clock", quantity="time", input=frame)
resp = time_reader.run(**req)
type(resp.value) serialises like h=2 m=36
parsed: h=7 m=26
